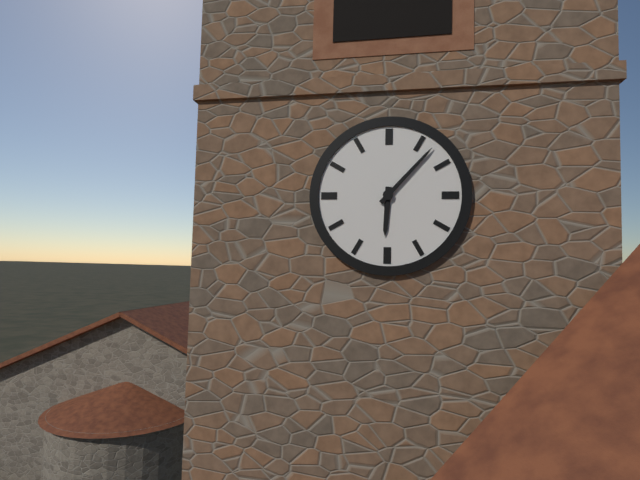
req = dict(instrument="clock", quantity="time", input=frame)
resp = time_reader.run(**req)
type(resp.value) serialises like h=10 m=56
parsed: h=6 m=7
